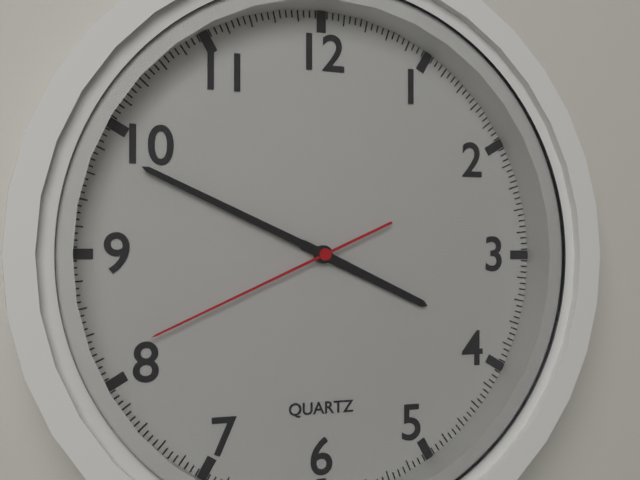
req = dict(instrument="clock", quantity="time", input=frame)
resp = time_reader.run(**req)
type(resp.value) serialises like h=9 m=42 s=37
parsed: h=3 m=49 s=41
